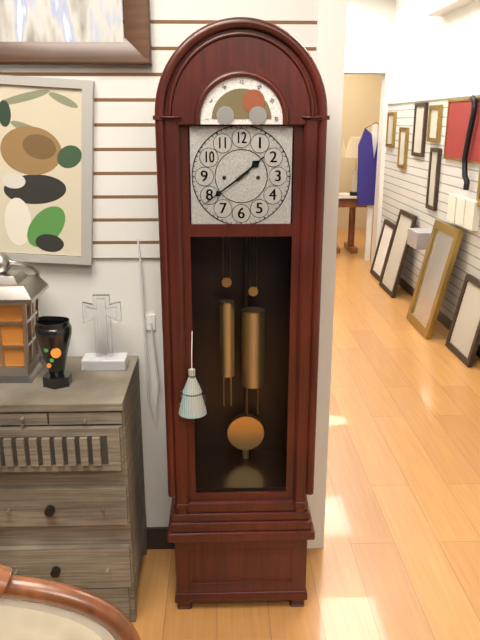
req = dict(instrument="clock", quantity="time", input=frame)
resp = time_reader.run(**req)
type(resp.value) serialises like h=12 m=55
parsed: h=1 m=39
